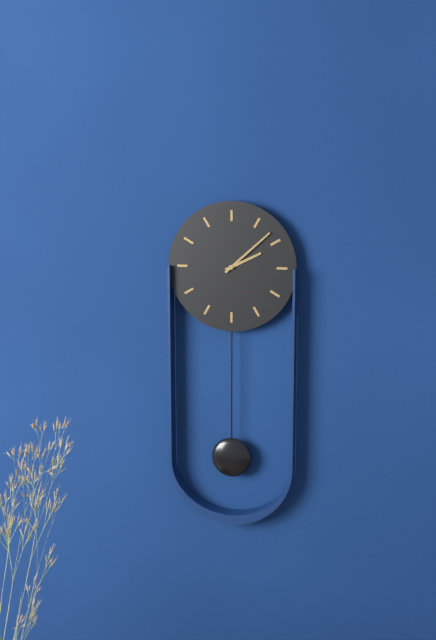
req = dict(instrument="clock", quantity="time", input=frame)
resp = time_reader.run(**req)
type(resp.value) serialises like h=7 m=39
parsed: h=2 m=8
